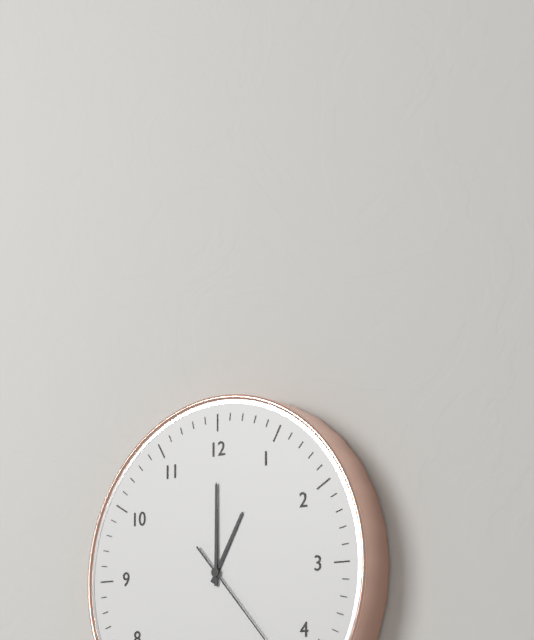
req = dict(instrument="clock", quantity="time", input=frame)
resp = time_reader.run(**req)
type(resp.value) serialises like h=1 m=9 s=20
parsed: h=1 m=0 s=23
